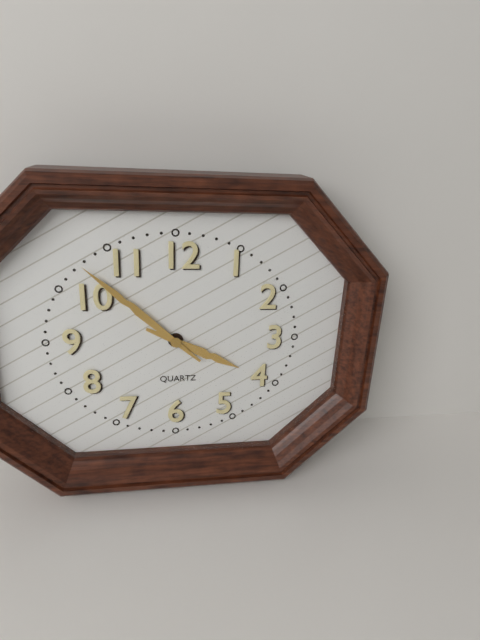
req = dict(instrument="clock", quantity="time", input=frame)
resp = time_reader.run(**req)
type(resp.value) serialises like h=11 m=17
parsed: h=3 m=52
